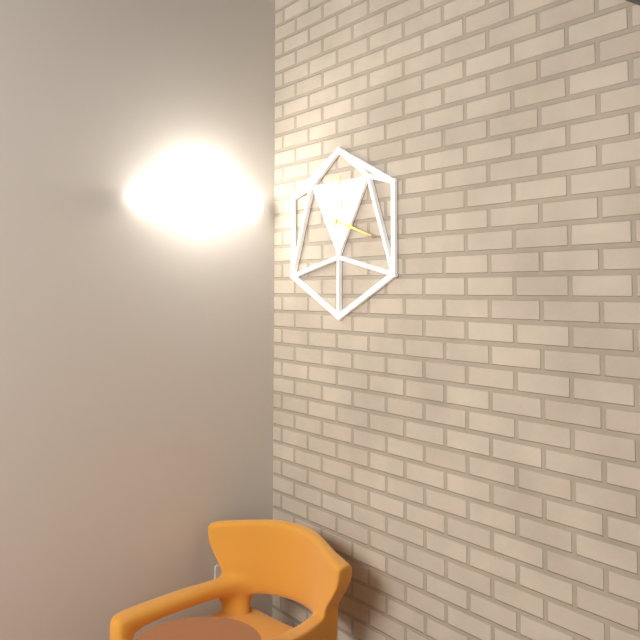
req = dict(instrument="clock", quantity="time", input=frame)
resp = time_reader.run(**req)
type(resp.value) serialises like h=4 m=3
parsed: h=12 m=18
